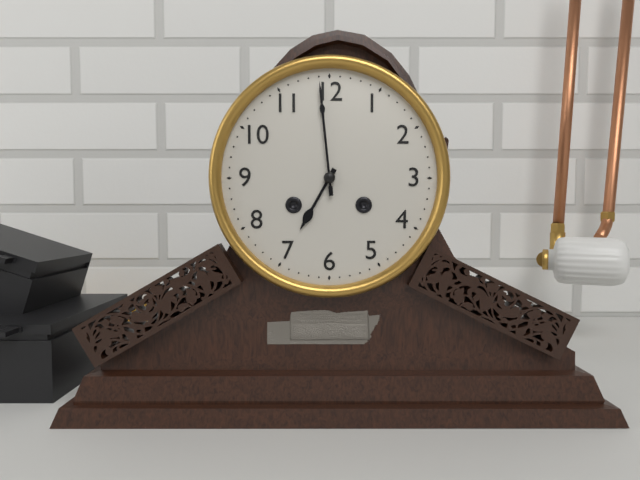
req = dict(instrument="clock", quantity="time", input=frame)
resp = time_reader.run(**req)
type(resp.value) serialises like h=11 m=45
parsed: h=6 m=59
